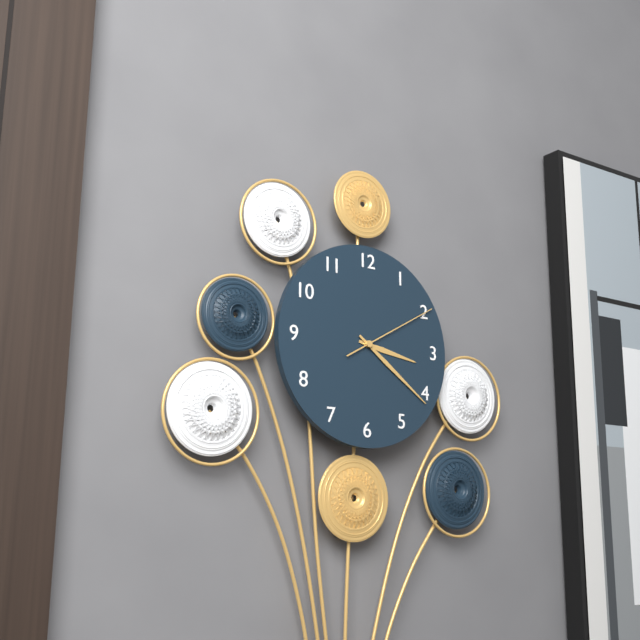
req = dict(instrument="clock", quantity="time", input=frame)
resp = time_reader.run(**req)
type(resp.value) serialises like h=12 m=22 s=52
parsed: h=3 m=21 s=10
